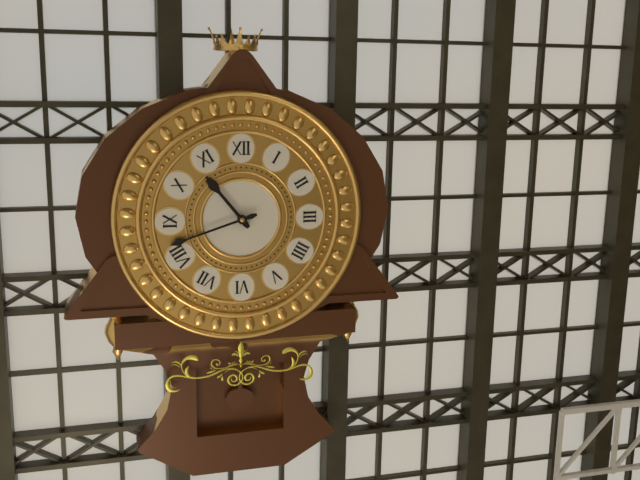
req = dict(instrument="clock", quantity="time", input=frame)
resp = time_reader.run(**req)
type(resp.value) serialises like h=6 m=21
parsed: h=10 m=42
